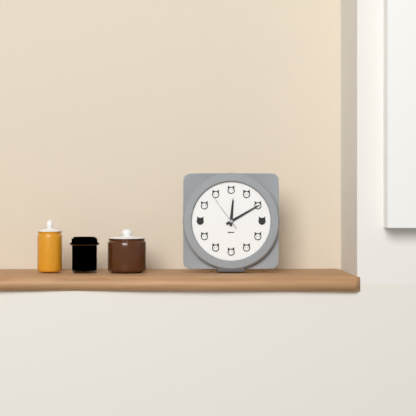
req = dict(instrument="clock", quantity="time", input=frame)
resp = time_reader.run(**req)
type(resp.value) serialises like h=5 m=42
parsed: h=12 m=10
